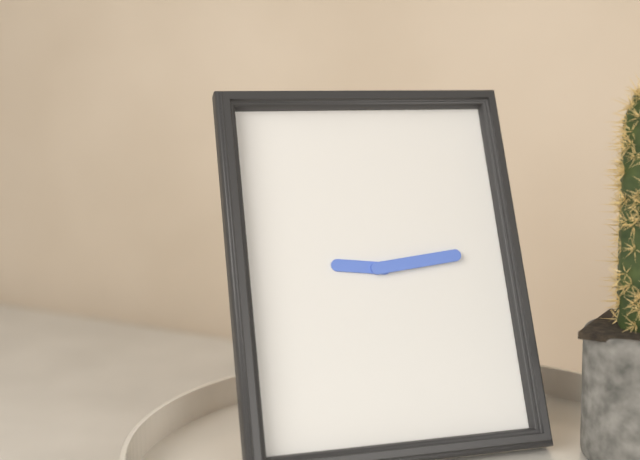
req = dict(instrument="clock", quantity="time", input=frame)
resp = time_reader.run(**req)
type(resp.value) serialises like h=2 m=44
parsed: h=9 m=14
